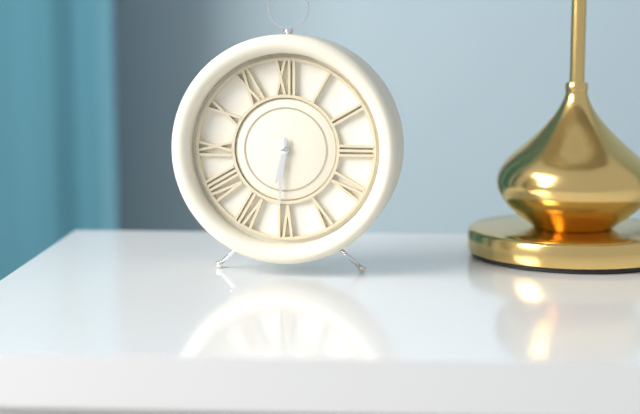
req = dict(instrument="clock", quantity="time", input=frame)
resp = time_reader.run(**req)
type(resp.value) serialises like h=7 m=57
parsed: h=6 m=31
